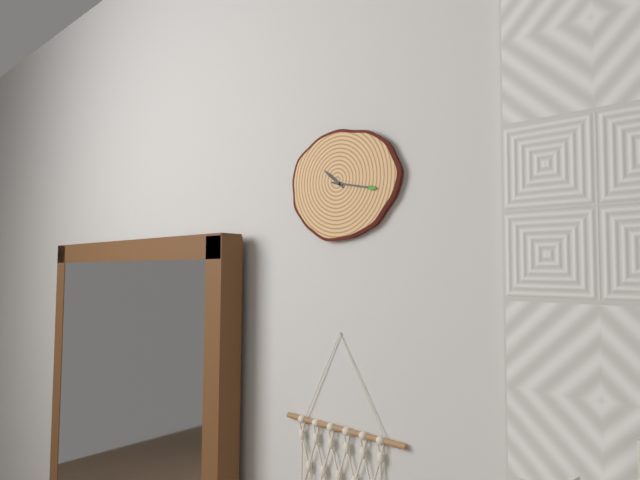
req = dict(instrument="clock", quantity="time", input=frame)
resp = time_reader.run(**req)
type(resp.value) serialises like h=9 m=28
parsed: h=10 m=17
